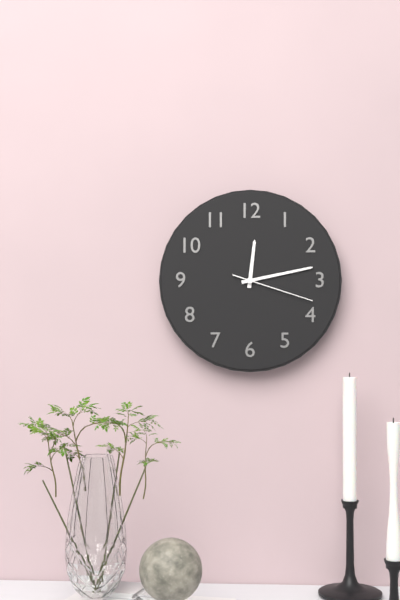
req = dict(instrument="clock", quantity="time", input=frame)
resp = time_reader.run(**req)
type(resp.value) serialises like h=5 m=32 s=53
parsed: h=12 m=13 s=18
